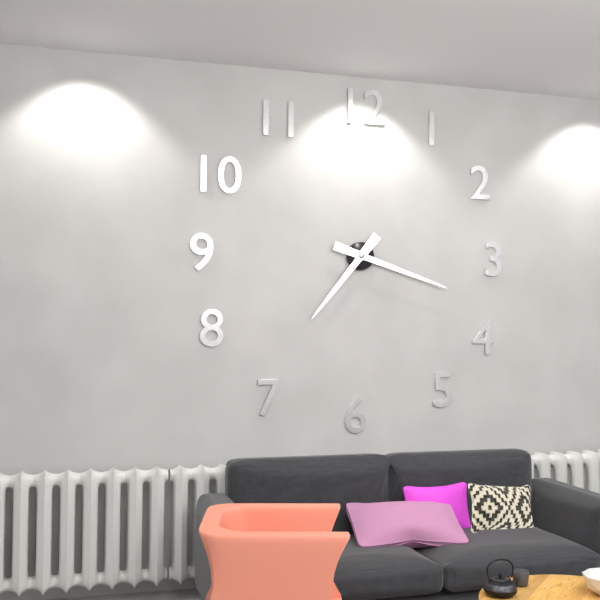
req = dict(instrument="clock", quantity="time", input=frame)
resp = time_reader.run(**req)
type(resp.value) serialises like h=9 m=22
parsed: h=7 m=18
